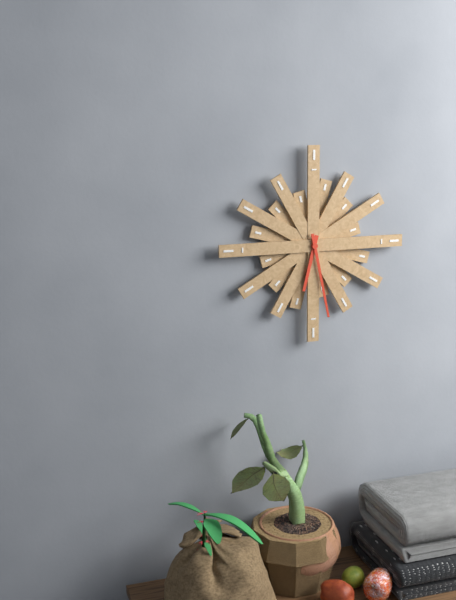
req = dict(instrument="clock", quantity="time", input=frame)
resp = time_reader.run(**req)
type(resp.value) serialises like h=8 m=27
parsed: h=6 m=28
